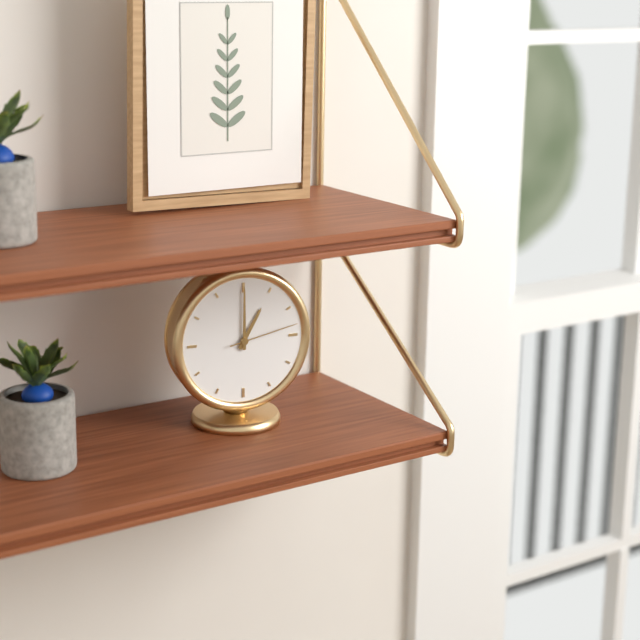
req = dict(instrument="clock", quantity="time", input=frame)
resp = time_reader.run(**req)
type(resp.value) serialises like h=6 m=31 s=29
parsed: h=1 m=0 s=13
